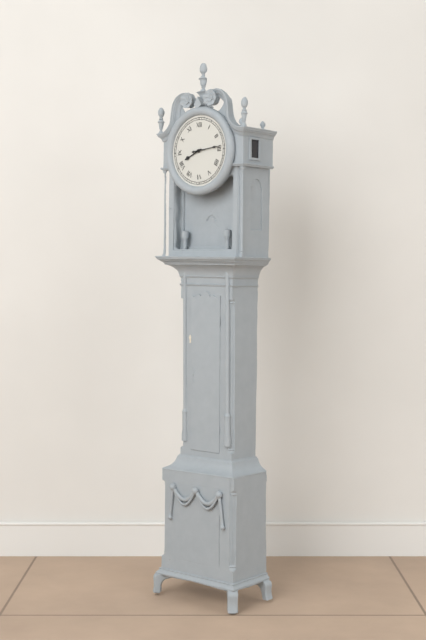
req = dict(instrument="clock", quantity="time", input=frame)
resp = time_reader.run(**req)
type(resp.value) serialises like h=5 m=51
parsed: h=8 m=14
